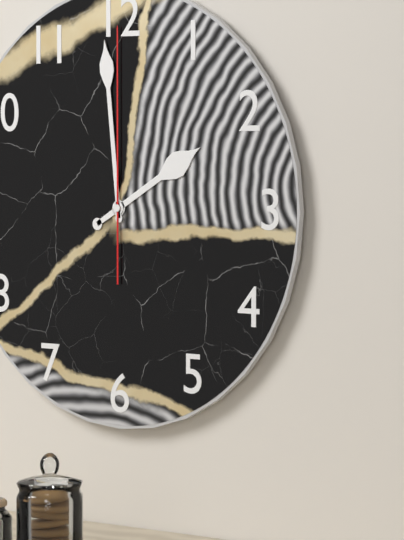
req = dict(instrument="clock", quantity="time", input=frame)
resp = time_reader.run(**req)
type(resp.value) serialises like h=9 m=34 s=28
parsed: h=1 m=59 s=0
